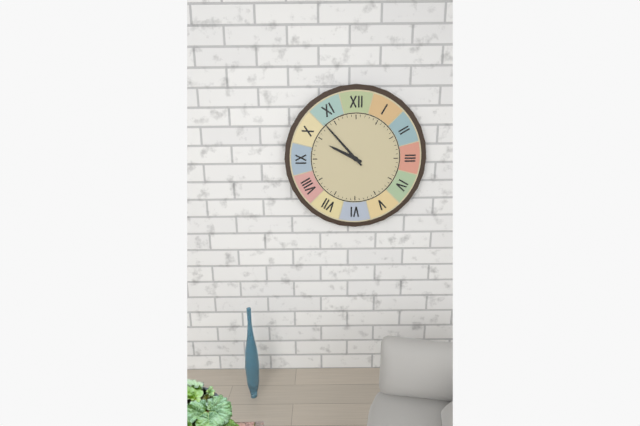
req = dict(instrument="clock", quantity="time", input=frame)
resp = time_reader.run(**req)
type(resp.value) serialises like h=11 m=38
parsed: h=9 m=53
